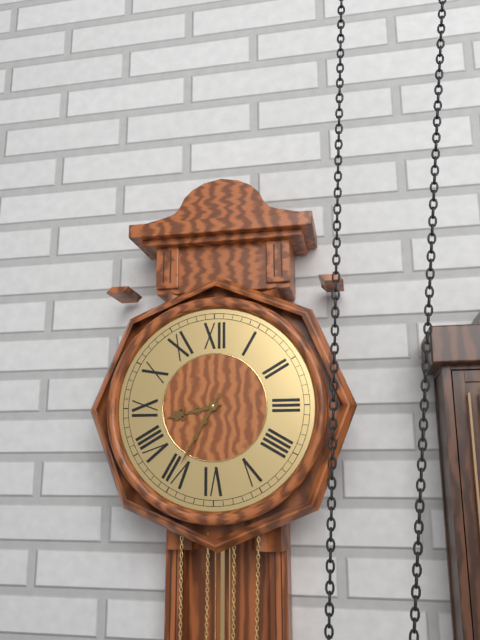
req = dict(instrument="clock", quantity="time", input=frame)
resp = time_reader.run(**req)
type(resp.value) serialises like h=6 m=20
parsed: h=8 m=35
